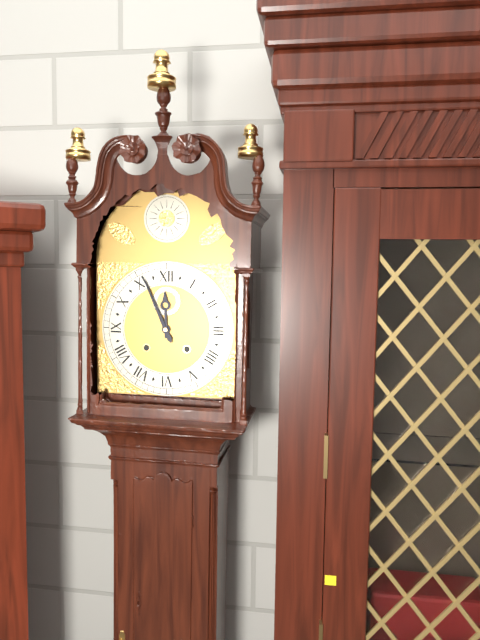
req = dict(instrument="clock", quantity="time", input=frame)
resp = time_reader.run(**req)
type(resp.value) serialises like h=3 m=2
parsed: h=11 m=56
